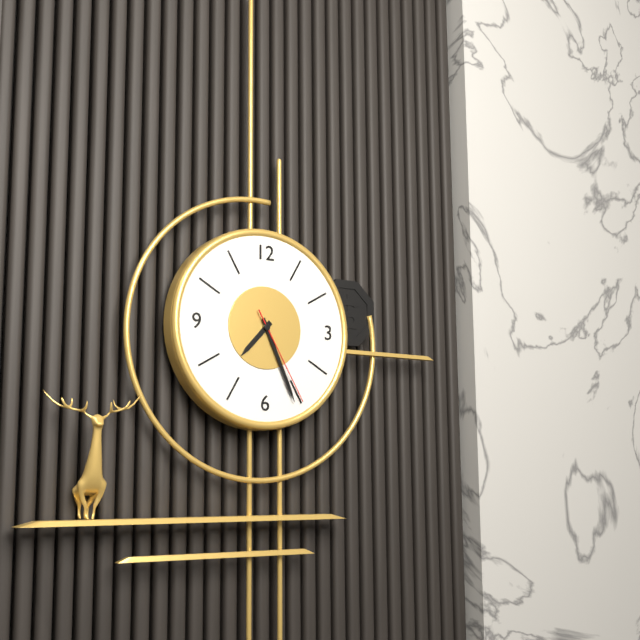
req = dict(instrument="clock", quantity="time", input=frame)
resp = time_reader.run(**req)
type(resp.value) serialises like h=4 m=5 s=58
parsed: h=7 m=26 s=25
